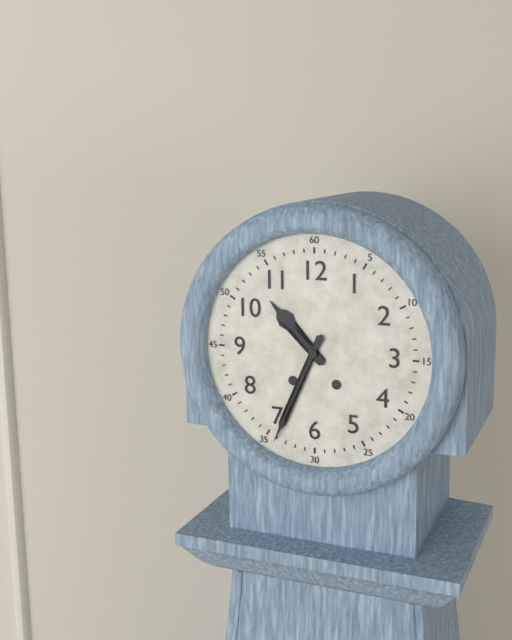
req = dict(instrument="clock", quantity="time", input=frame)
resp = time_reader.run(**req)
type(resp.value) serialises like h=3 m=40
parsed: h=10 m=34
